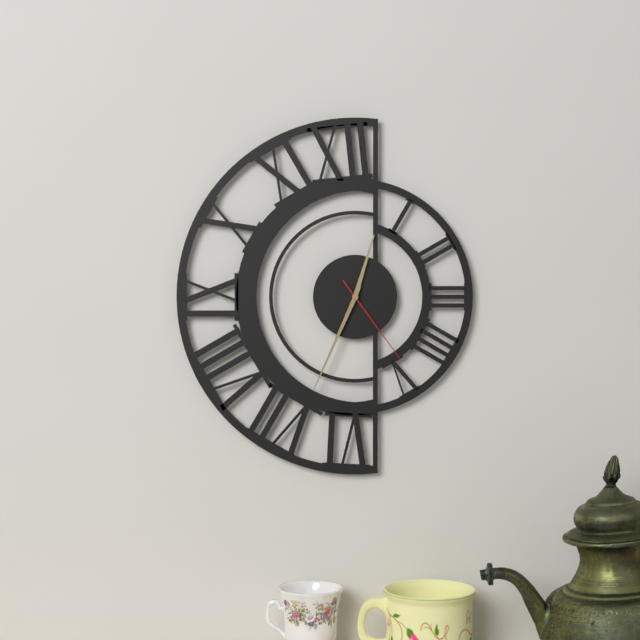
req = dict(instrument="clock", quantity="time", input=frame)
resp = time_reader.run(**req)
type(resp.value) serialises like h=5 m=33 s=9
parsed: h=12 m=34 s=24
